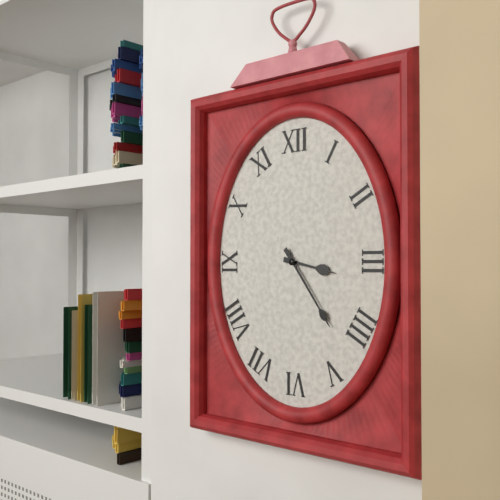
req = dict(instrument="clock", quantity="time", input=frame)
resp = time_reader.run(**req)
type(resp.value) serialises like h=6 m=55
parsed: h=3 m=24
